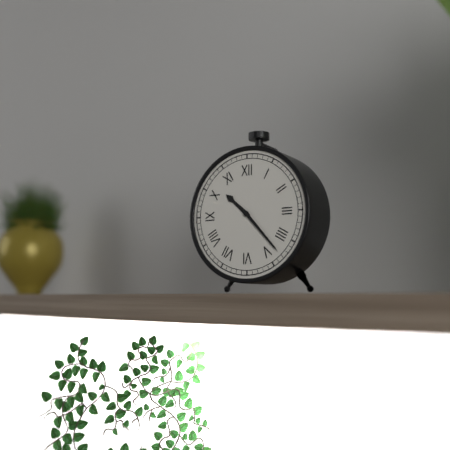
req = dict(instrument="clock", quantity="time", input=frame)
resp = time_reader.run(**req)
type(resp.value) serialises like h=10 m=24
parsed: h=10 m=23
